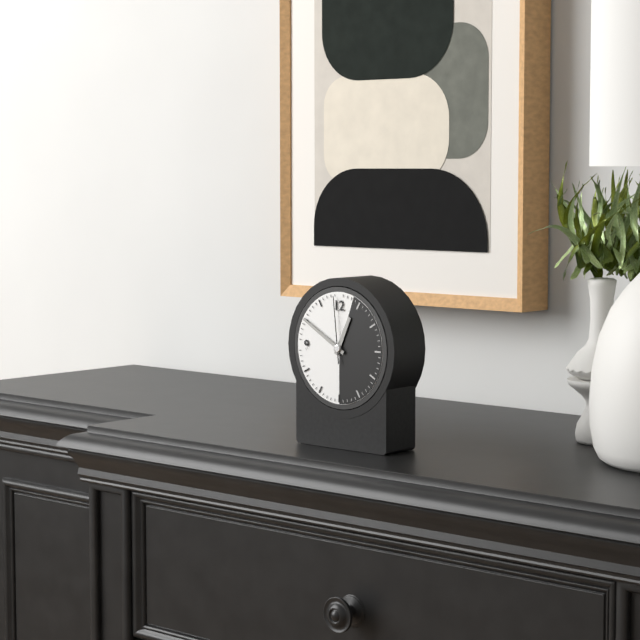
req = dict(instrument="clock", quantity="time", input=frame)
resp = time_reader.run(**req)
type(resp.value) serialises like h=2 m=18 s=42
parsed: h=12 m=50 s=59
